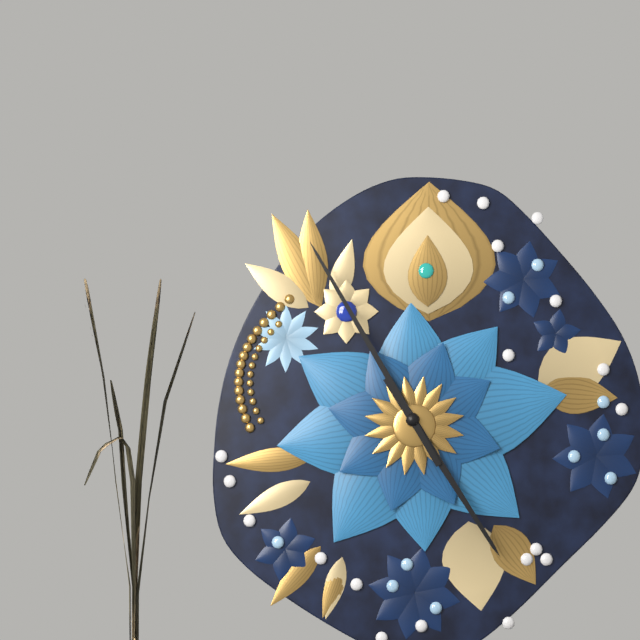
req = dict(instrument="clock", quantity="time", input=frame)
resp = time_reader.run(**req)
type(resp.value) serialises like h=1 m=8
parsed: h=4 m=55
